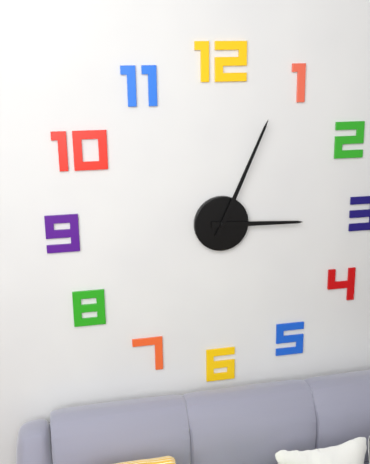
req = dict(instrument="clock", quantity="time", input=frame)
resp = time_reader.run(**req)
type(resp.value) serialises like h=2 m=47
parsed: h=3 m=4
